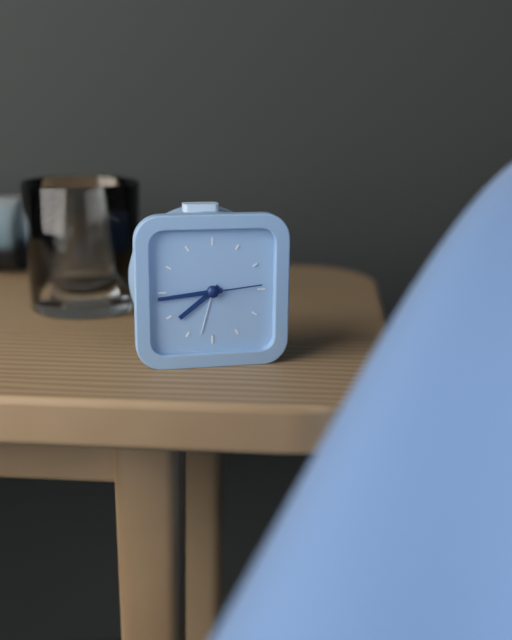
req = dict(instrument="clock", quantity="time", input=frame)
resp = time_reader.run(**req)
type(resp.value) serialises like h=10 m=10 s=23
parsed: h=7 m=44 s=14
